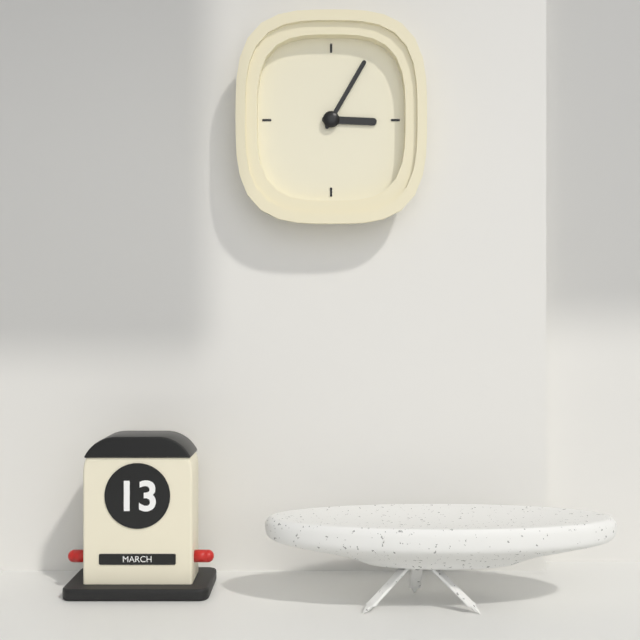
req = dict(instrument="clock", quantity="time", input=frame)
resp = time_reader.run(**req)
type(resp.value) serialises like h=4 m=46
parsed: h=3 m=5
